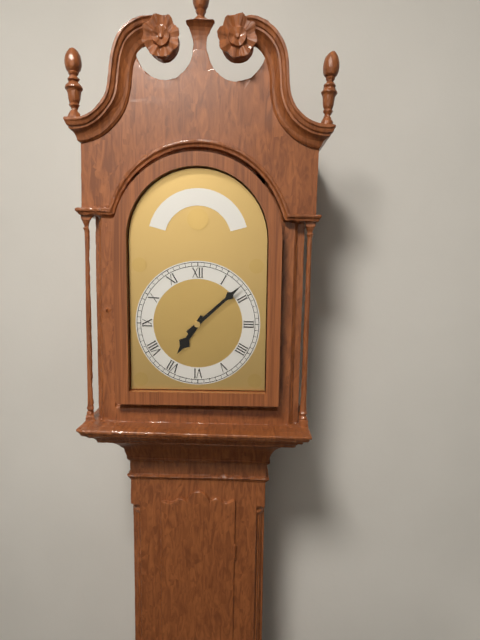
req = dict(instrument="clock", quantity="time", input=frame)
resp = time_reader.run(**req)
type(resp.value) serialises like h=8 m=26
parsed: h=7 m=8
